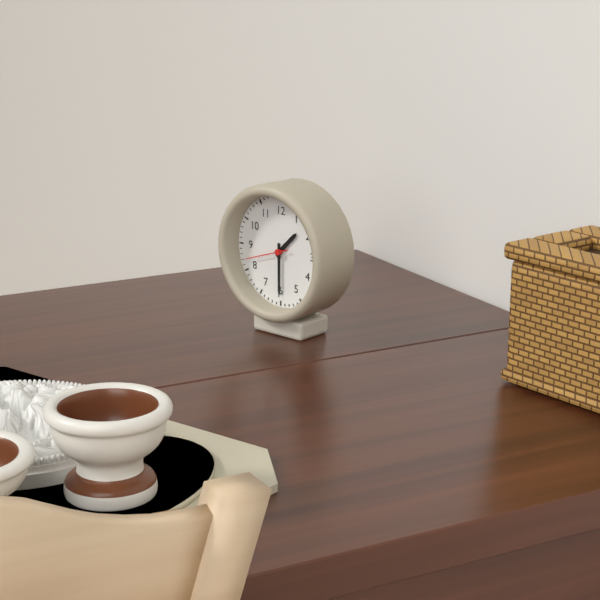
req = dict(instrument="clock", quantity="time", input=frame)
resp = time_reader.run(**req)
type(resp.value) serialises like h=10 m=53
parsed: h=1 m=30
